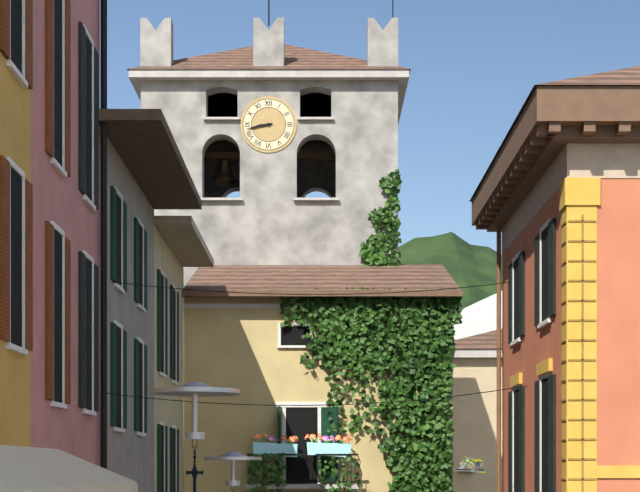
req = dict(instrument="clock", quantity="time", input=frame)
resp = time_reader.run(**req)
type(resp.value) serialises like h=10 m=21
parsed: h=8 m=43
